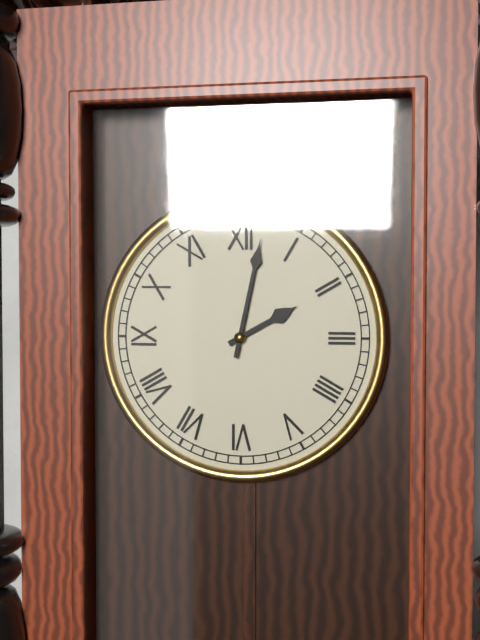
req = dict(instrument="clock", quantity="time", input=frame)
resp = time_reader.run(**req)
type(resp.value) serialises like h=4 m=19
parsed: h=2 m=2
